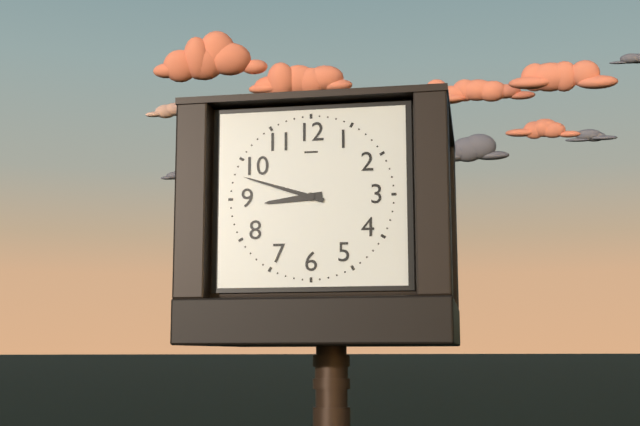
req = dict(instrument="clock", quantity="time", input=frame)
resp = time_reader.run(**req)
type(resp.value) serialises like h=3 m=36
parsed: h=8 m=48
